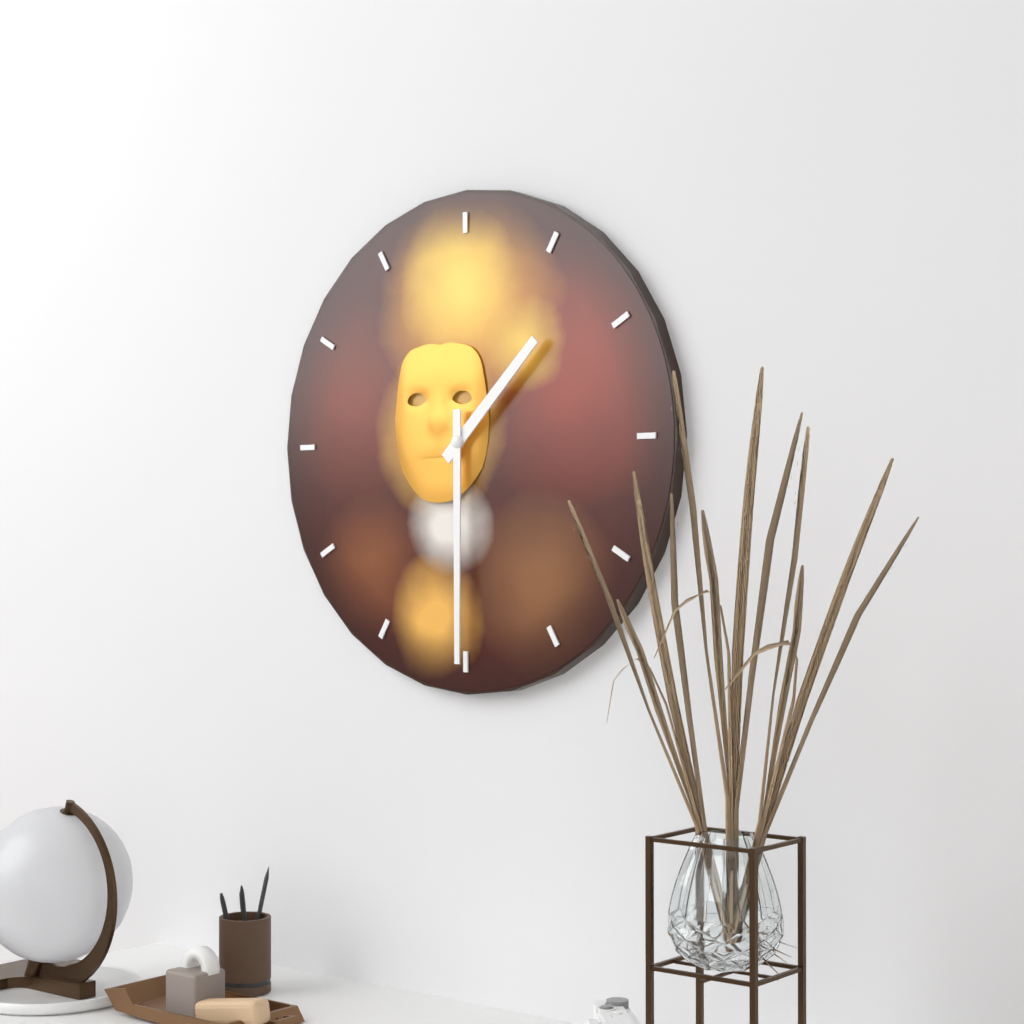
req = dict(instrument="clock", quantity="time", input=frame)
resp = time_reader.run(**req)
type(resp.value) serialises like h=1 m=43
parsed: h=1 m=30
